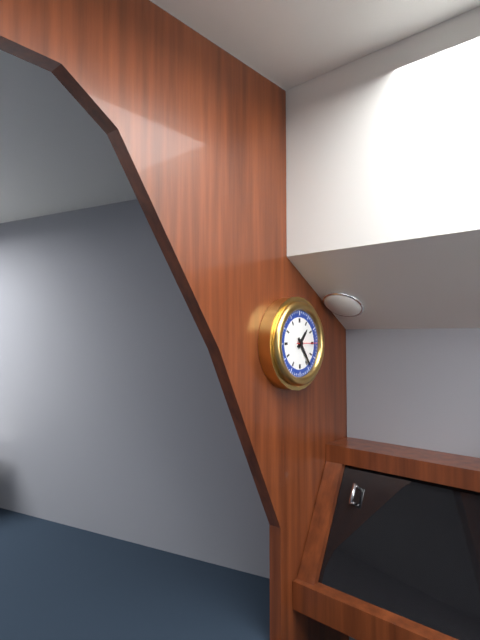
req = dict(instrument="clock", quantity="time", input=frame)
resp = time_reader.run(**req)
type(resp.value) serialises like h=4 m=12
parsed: h=1 m=24
